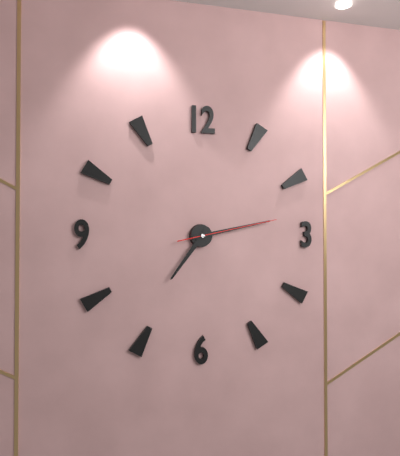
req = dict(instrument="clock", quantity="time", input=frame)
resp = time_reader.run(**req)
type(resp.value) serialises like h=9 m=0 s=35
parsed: h=7 m=13 s=13
